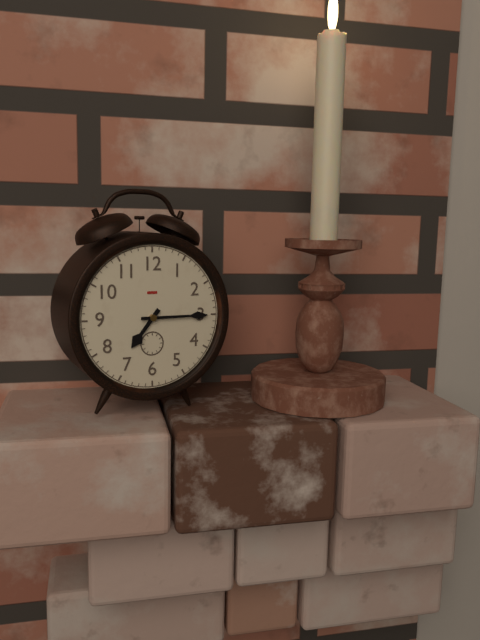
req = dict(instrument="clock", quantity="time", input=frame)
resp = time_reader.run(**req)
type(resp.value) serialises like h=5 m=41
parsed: h=7 m=15
